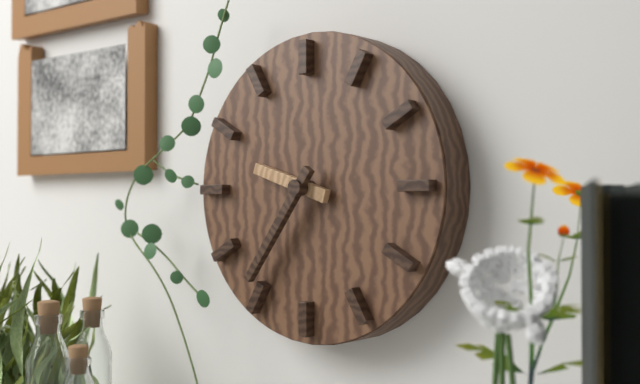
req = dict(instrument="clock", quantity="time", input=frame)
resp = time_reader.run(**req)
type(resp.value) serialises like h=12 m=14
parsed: h=9 m=36
